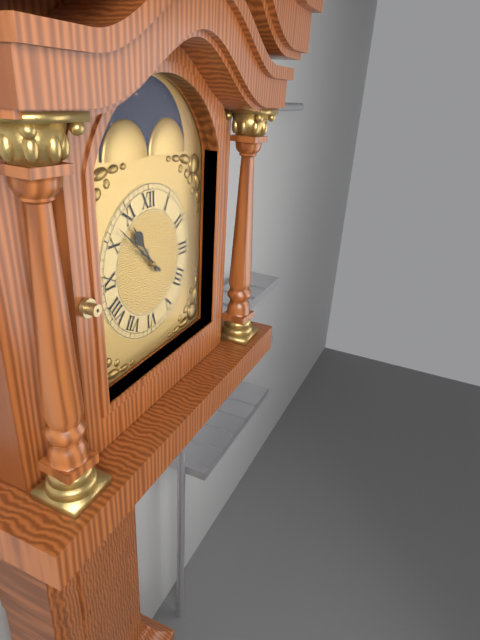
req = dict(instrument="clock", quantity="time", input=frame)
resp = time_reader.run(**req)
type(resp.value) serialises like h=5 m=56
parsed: h=10 m=52
